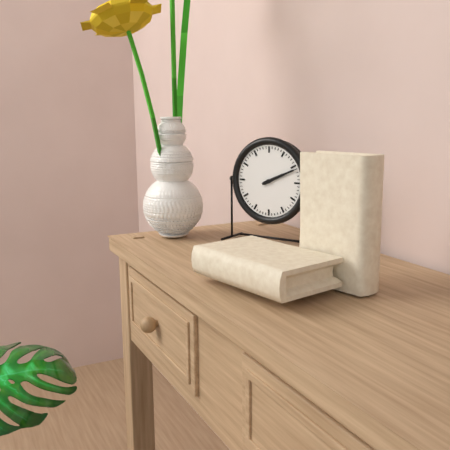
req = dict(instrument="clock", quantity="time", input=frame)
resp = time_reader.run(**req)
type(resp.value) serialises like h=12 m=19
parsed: h=2 m=11
